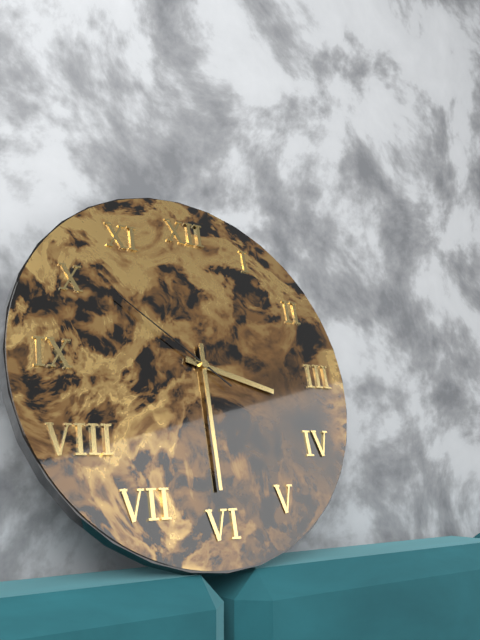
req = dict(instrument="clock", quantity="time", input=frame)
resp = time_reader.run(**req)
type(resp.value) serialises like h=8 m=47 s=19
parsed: h=3 m=30 s=51
